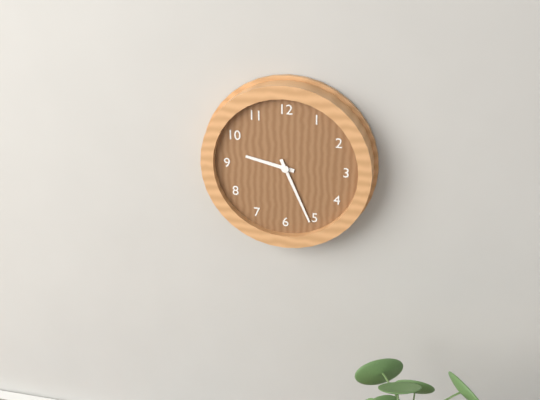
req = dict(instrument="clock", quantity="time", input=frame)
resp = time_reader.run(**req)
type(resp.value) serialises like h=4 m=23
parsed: h=9 m=26
